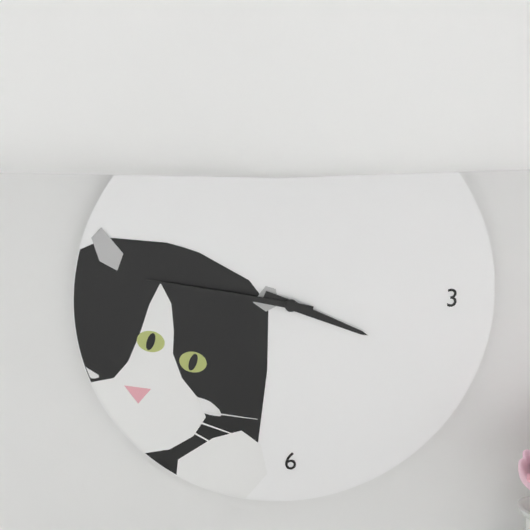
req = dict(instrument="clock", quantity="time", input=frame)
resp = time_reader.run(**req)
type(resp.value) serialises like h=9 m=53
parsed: h=3 m=47
